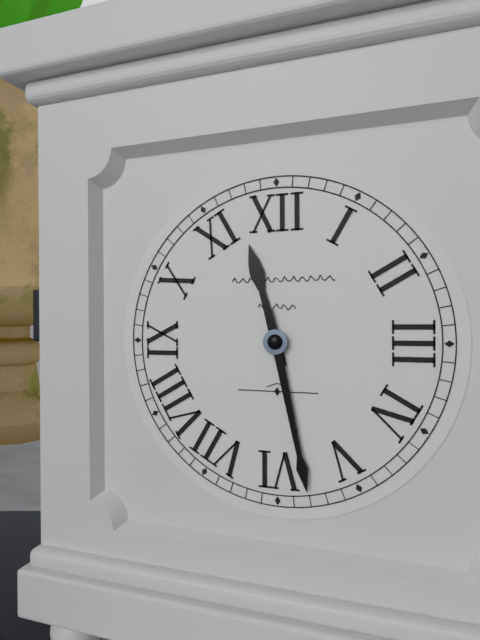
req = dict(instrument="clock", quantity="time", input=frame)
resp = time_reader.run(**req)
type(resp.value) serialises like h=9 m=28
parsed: h=11 m=28
